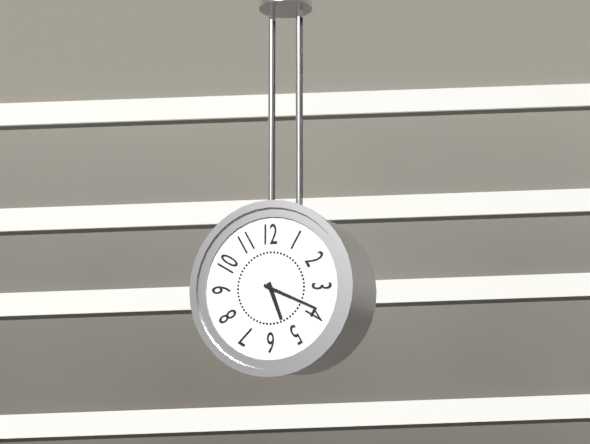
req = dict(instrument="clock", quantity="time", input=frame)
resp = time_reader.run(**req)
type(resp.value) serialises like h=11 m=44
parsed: h=5 m=19
